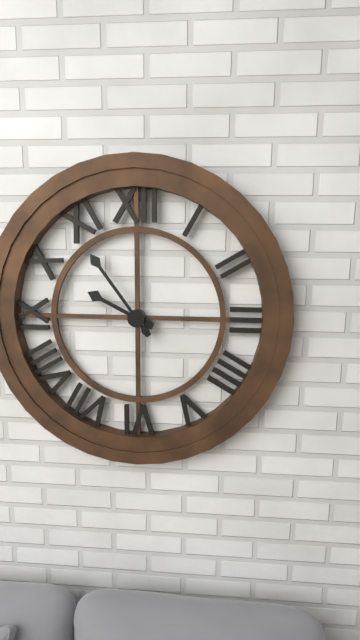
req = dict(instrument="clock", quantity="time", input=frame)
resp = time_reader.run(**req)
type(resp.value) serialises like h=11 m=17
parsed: h=9 m=54
